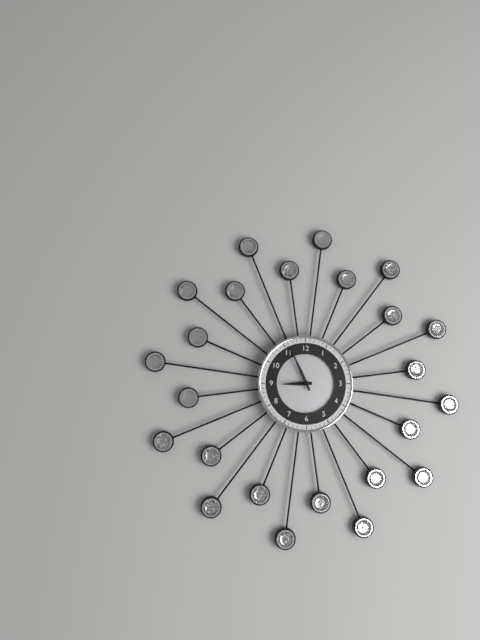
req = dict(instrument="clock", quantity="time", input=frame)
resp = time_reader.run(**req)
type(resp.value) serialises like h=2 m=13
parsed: h=8 m=56
